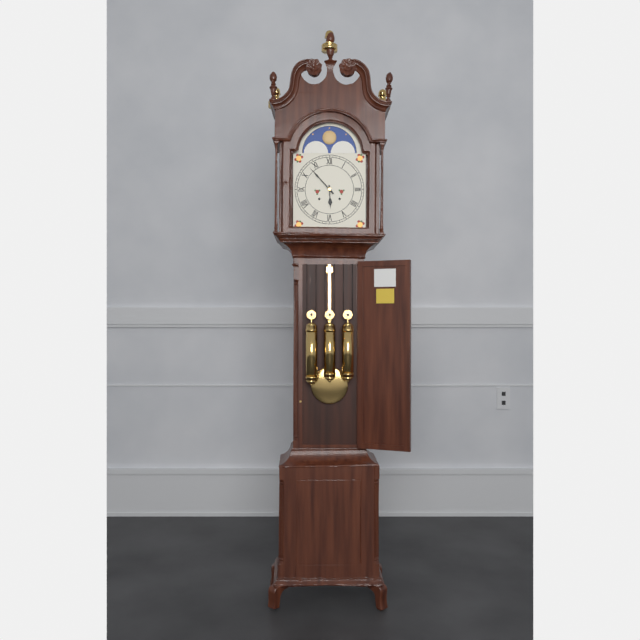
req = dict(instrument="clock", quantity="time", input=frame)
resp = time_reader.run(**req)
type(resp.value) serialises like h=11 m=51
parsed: h=5 m=53
